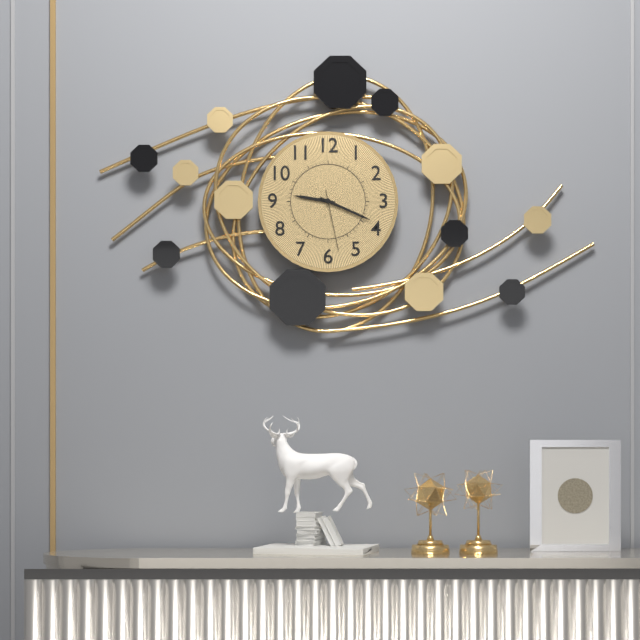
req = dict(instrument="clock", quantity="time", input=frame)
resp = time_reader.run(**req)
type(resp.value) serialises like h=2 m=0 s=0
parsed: h=9 m=19 s=28
